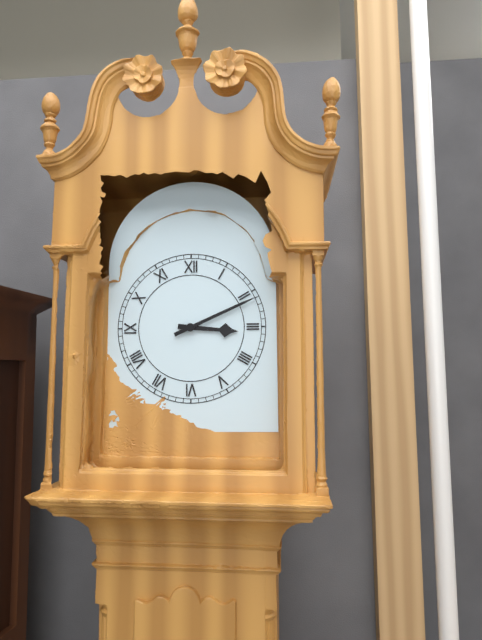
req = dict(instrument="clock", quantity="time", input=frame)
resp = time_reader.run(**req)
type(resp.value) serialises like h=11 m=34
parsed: h=3 m=11
